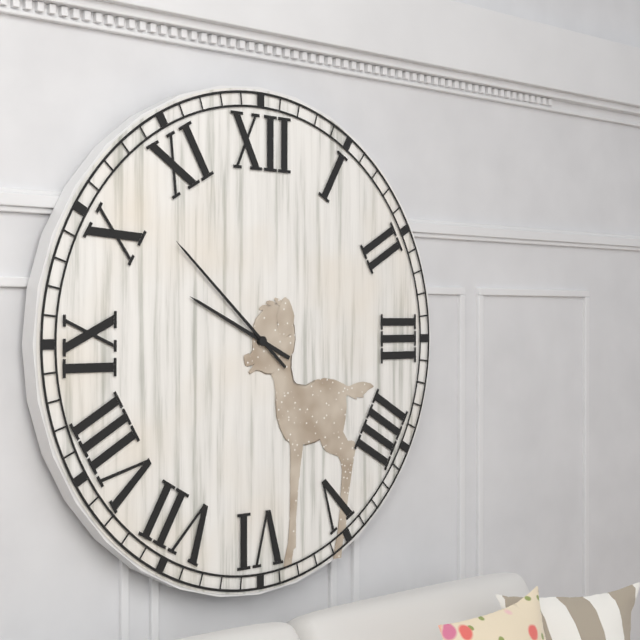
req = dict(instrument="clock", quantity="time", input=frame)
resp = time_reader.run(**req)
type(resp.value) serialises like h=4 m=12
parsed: h=9 m=52
